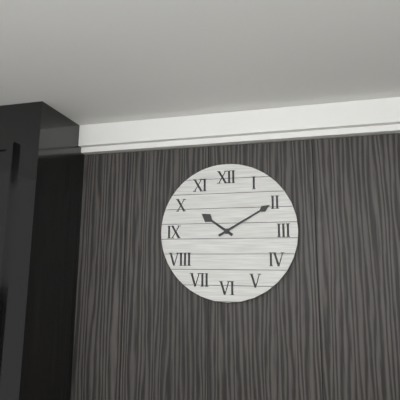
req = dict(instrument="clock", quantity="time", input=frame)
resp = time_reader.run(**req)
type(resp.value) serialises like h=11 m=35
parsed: h=10 m=10
